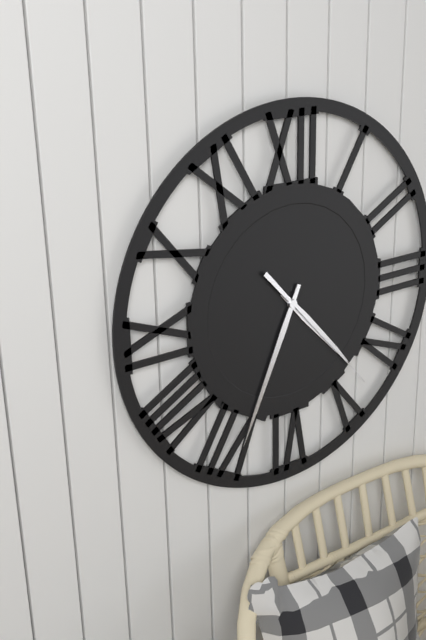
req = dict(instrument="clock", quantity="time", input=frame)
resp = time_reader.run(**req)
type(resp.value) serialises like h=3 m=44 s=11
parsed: h=4 m=34 s=23
